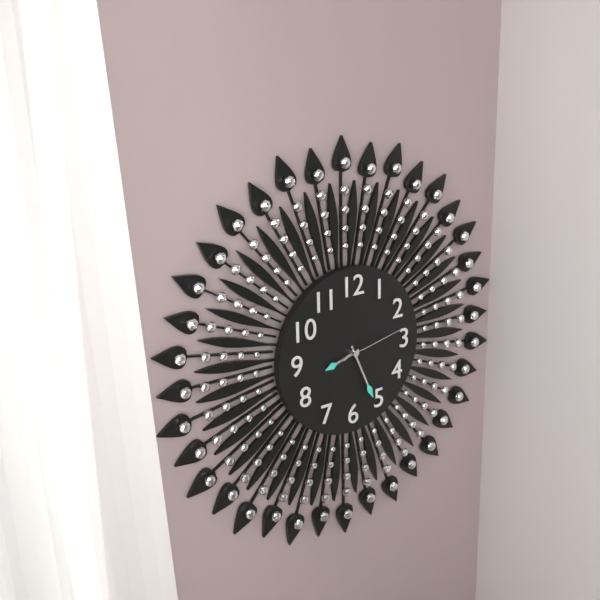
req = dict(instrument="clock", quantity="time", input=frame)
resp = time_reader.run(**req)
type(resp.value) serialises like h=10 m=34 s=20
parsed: h=8 m=26 s=13
